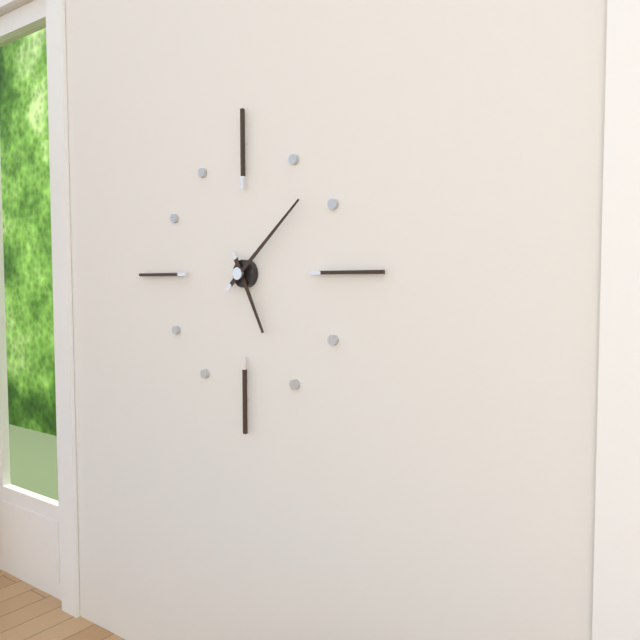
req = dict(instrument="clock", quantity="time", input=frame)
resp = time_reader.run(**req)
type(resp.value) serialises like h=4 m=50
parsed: h=5 m=8
